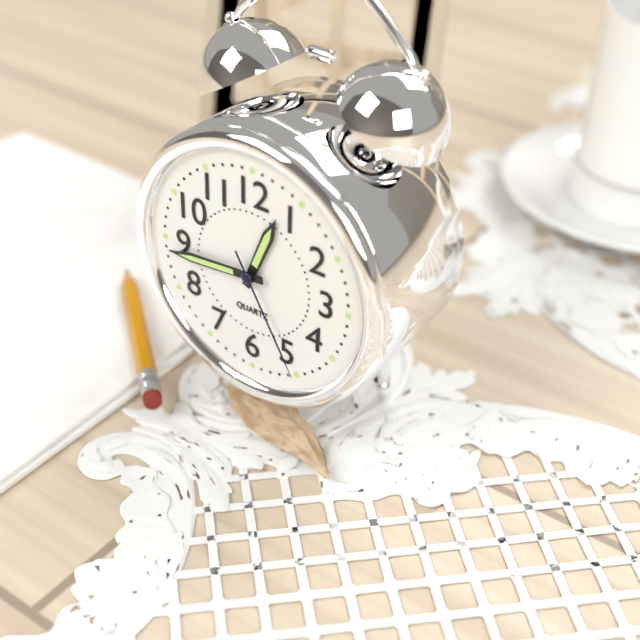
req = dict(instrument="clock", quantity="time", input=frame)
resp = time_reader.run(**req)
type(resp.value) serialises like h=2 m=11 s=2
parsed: h=12 m=44 s=25
